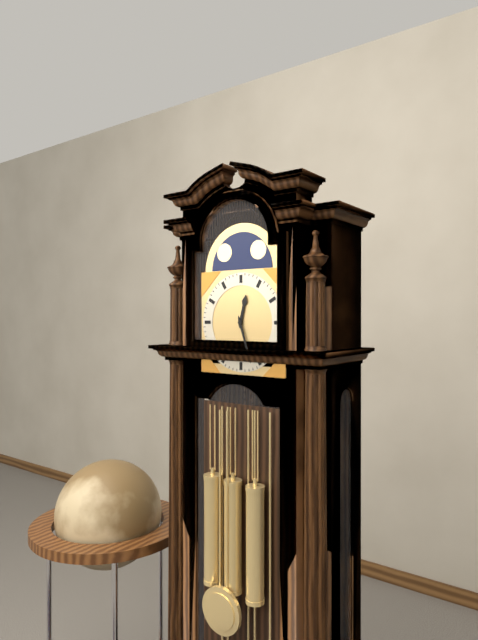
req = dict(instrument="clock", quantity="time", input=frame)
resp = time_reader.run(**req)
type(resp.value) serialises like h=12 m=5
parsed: h=12 m=27
